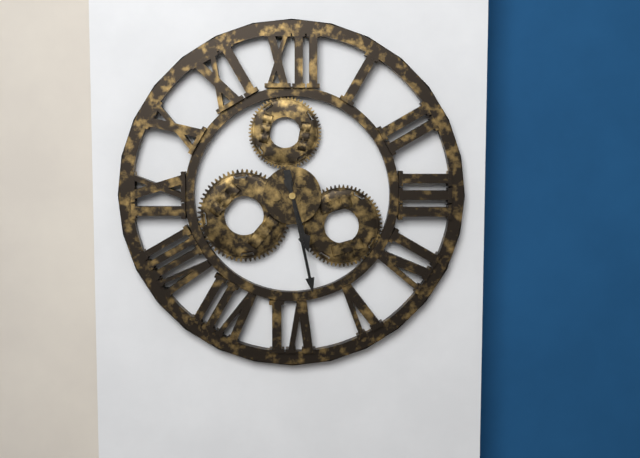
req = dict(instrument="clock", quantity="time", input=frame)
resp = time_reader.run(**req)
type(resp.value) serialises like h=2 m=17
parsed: h=5 m=28
